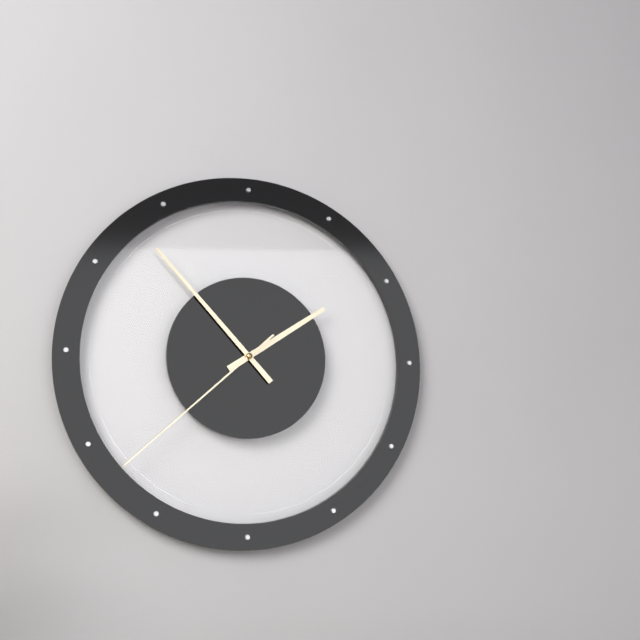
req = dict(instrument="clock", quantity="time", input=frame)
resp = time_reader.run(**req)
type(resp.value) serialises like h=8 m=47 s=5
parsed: h=1 m=53 s=38
